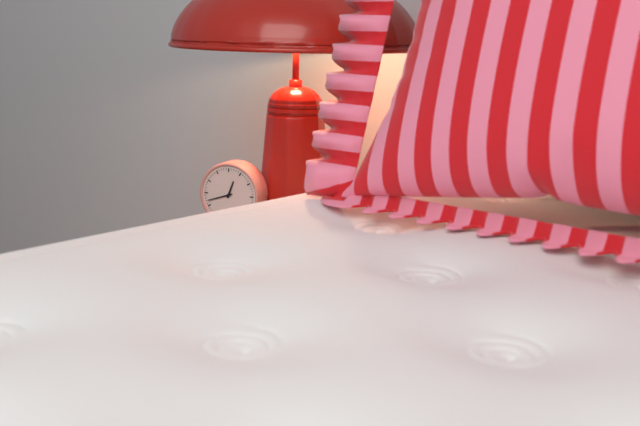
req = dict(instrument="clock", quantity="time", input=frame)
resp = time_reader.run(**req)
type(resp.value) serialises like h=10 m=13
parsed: h=12 m=42
